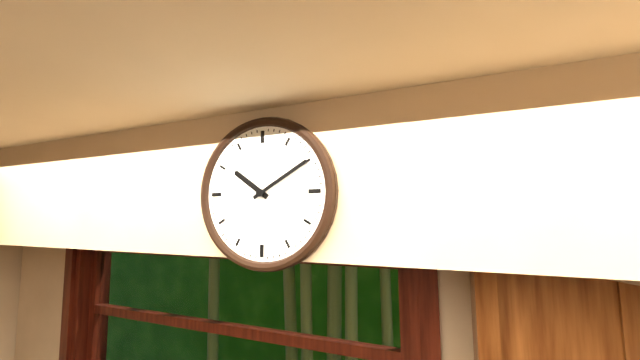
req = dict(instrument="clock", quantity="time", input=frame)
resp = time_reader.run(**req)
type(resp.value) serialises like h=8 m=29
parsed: h=10 m=10
